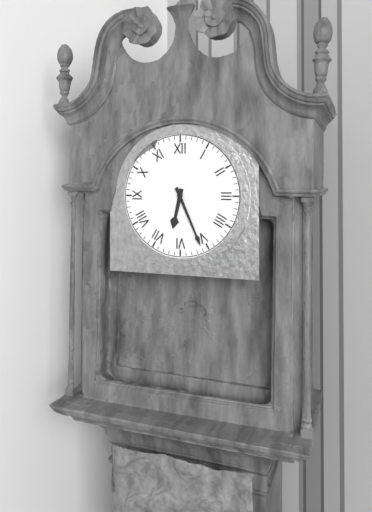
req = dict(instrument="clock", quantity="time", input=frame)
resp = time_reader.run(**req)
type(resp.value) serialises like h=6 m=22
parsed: h=6 m=26
